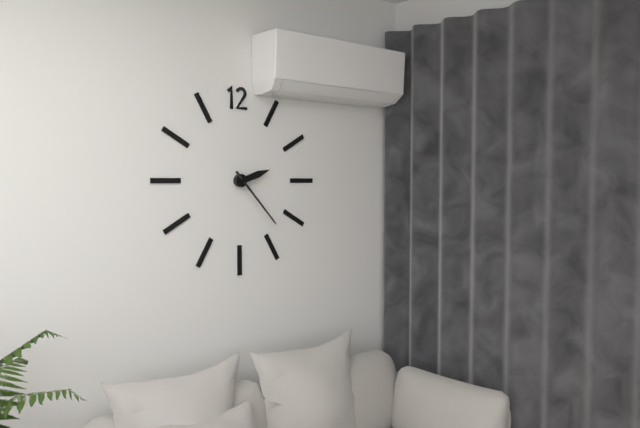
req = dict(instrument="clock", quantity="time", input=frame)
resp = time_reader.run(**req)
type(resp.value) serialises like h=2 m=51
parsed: h=2 m=23
